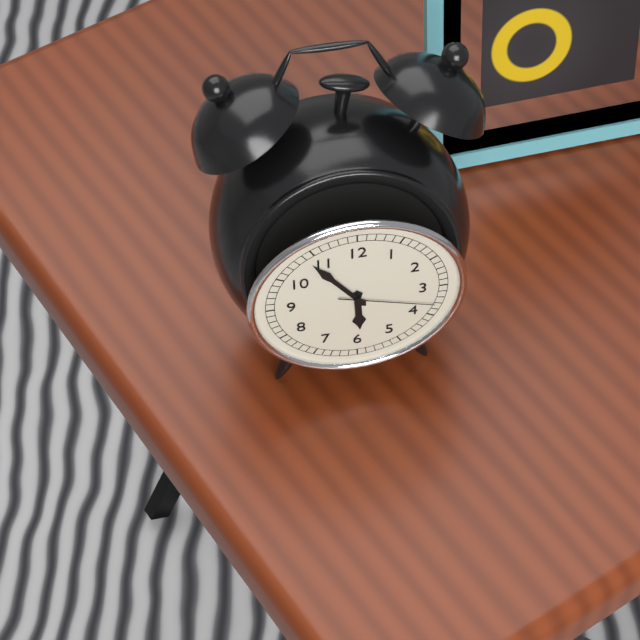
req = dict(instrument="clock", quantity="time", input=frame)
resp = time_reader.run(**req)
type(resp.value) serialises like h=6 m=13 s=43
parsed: h=5 m=54 s=18
